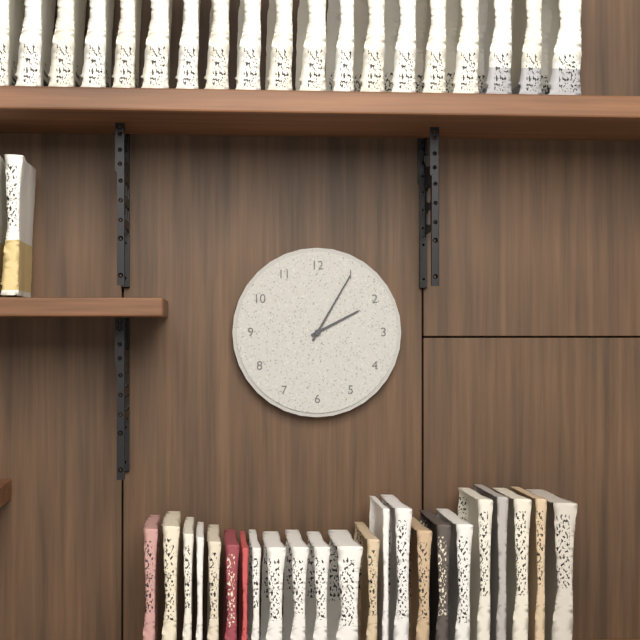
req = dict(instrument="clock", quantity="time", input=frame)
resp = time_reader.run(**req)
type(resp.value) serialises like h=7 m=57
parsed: h=2 m=5
